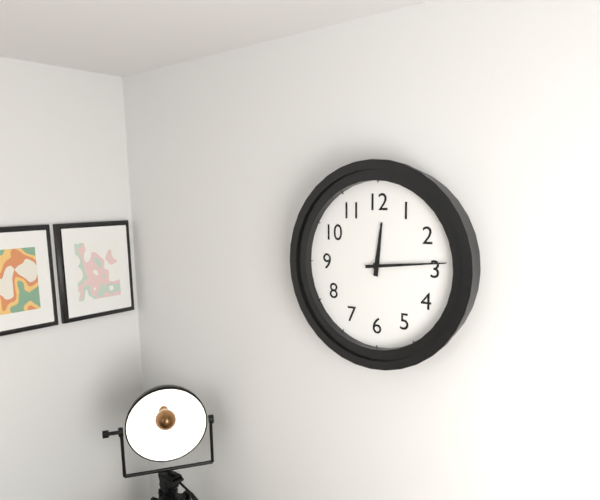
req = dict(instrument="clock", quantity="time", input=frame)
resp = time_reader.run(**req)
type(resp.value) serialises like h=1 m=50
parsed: h=12 m=14
